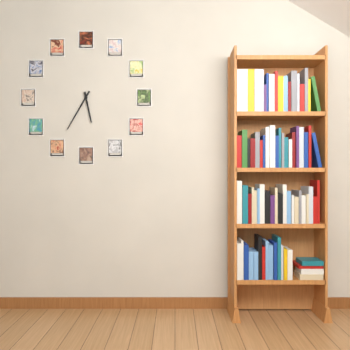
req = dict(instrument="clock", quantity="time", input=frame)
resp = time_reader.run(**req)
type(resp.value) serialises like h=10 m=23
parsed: h=5 m=35
